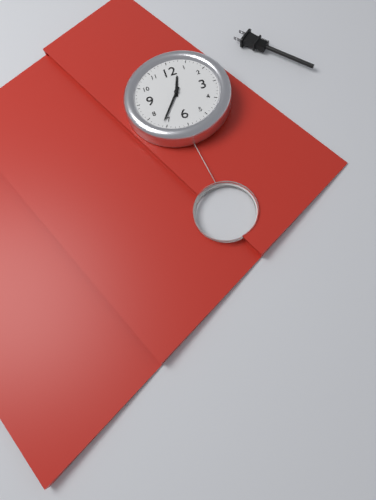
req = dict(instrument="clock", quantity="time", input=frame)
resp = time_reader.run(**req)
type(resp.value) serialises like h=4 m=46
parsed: h=12 m=36
